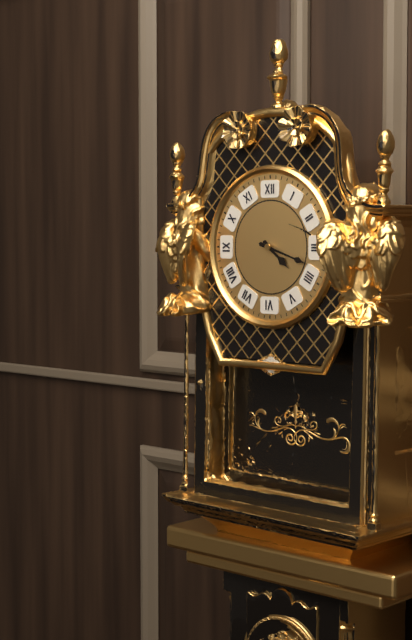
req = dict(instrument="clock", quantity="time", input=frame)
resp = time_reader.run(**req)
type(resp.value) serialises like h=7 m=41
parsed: h=4 m=18
